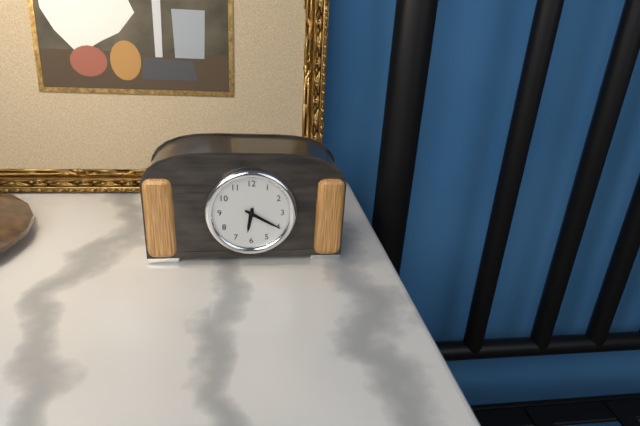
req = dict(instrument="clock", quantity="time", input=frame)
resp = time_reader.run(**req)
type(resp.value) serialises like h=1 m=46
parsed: h=6 m=20
